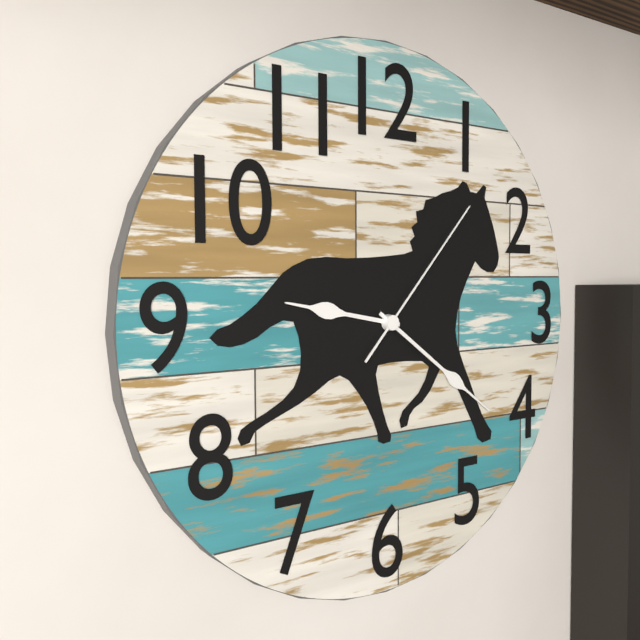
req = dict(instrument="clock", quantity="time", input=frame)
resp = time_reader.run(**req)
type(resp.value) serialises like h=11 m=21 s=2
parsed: h=9 m=21 s=7
